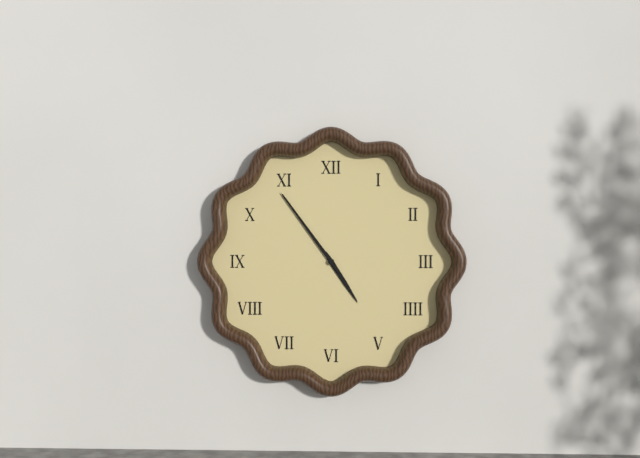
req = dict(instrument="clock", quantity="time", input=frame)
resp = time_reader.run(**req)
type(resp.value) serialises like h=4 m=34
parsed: h=4 m=54
